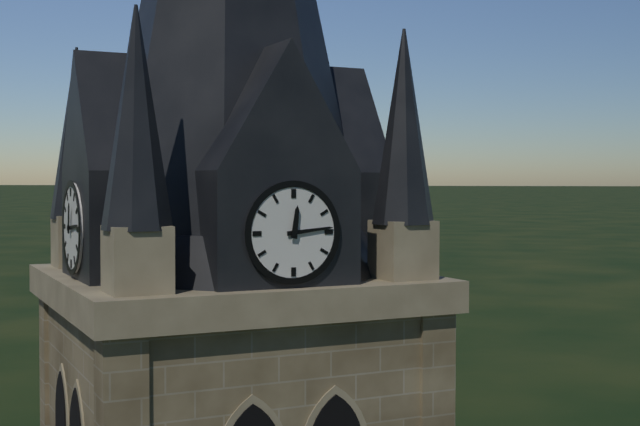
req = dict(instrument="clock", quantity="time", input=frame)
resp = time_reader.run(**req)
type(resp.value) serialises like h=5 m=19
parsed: h=12 m=14
